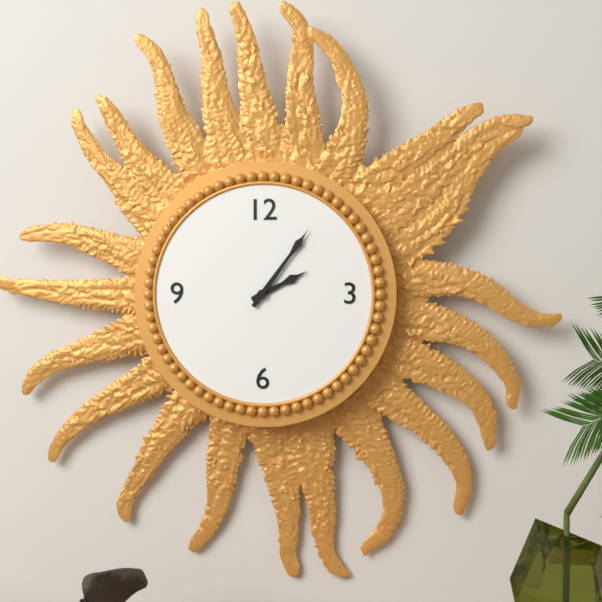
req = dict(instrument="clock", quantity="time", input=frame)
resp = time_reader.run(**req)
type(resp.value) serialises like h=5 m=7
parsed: h=2 m=6
